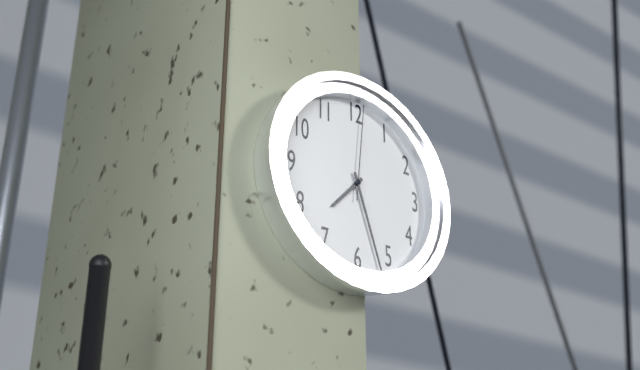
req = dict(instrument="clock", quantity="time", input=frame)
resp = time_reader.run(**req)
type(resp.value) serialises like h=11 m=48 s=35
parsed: h=7 m=27 s=1
